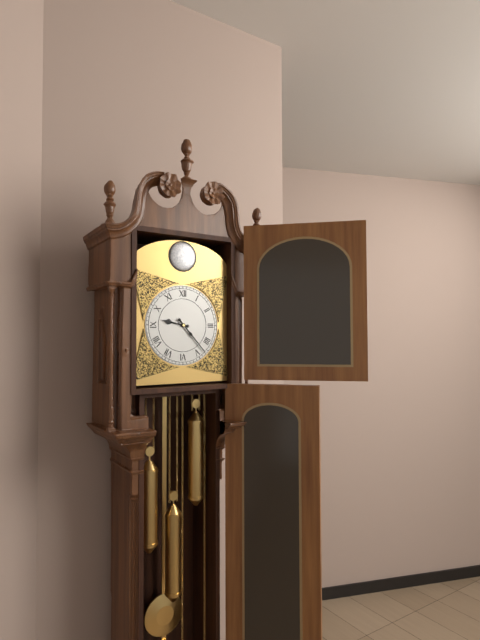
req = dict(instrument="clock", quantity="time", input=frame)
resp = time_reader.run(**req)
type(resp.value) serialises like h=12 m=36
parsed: h=9 m=23
